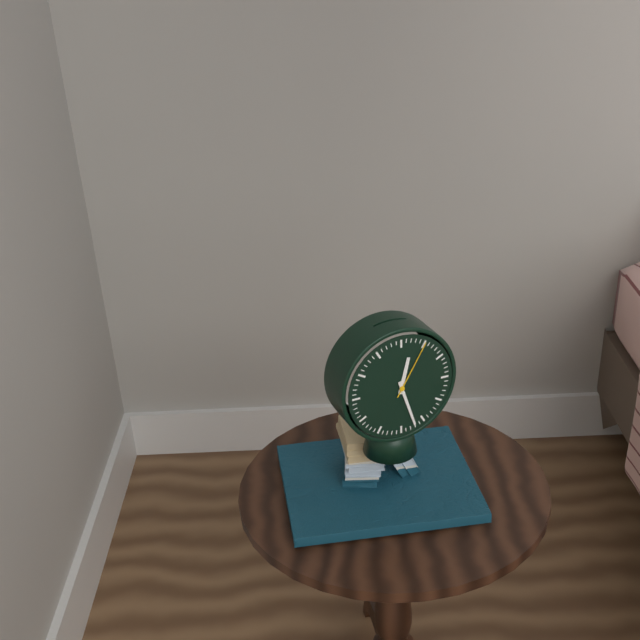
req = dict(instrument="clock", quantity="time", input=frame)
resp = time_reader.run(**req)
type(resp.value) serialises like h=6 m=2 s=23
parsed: h=12 m=27 s=5
